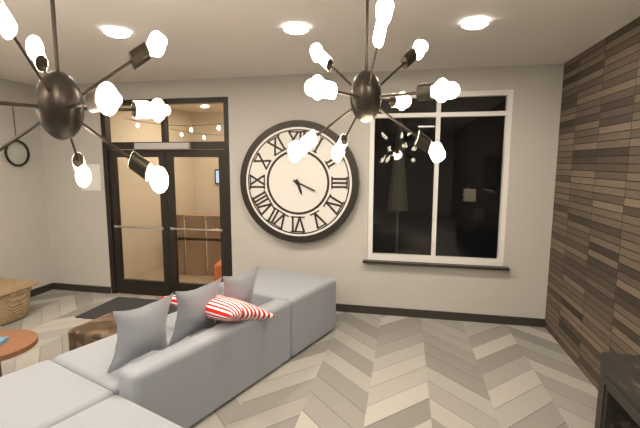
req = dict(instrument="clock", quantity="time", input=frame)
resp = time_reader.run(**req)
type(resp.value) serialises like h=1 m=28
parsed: h=5 m=19
